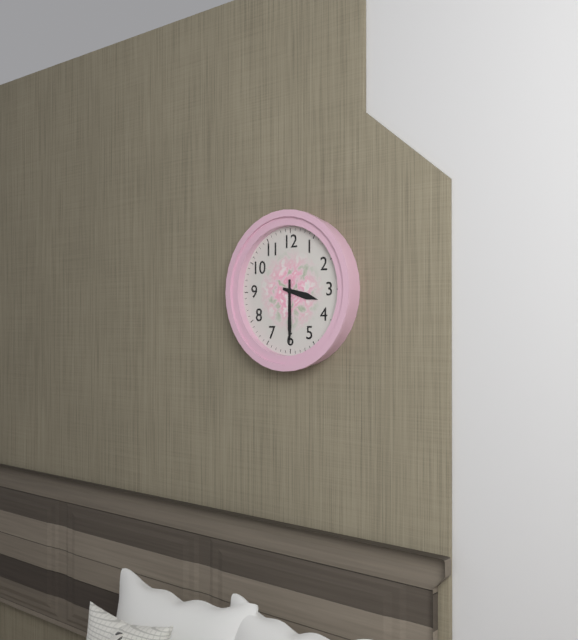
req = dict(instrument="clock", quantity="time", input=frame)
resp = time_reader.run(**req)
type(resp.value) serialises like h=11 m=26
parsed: h=3 m=30
